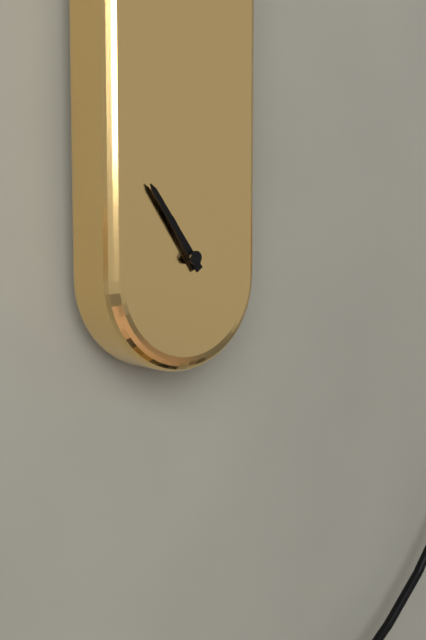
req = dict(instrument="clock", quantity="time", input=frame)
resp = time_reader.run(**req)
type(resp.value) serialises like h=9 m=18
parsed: h=10 m=54
